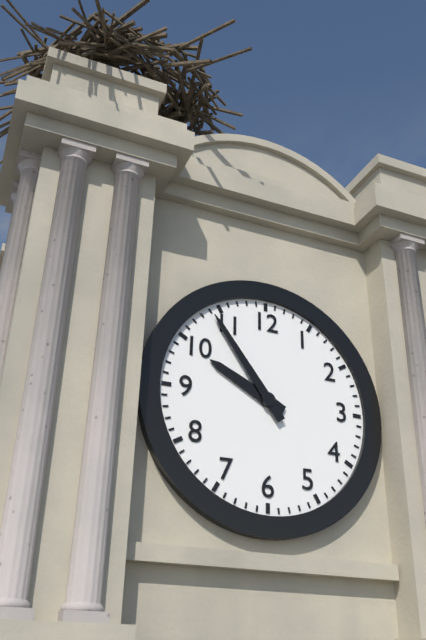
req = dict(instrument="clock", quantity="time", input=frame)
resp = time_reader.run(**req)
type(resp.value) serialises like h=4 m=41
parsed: h=9 m=54
